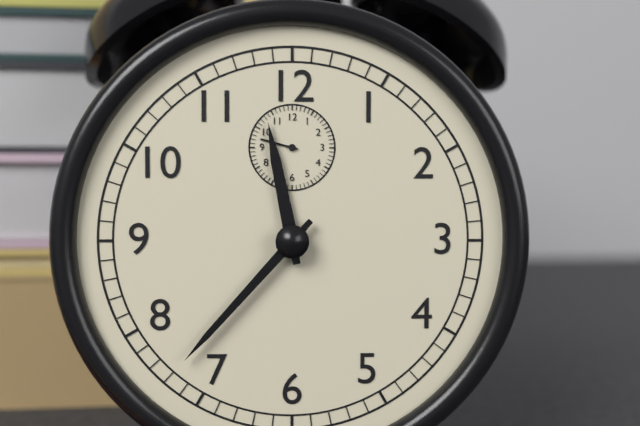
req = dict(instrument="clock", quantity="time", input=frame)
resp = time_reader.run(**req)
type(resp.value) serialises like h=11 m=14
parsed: h=11 m=37
